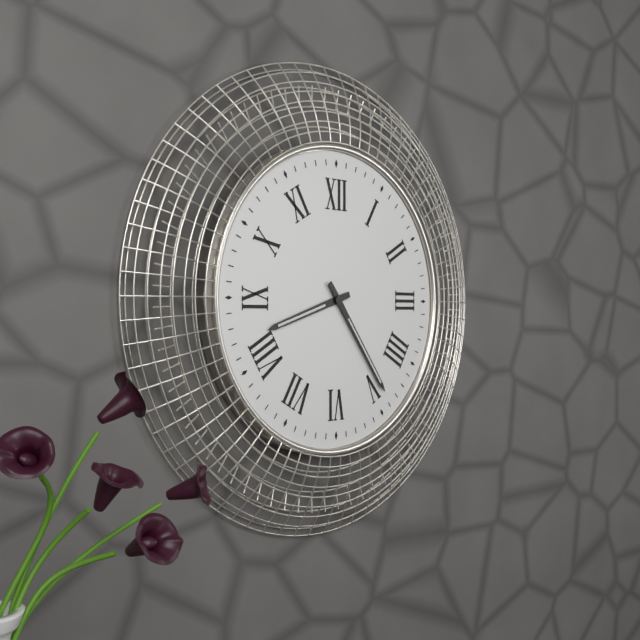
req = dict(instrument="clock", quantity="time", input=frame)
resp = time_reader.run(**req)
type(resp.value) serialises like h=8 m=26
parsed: h=8 m=24
